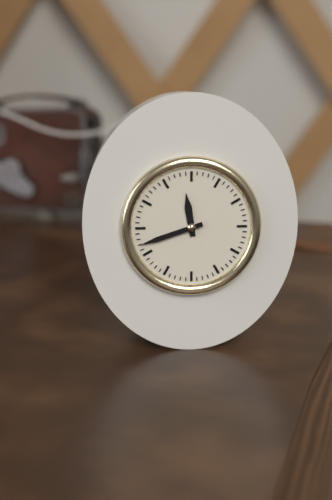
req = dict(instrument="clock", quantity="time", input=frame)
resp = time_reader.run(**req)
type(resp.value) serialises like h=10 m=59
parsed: h=11 m=42
